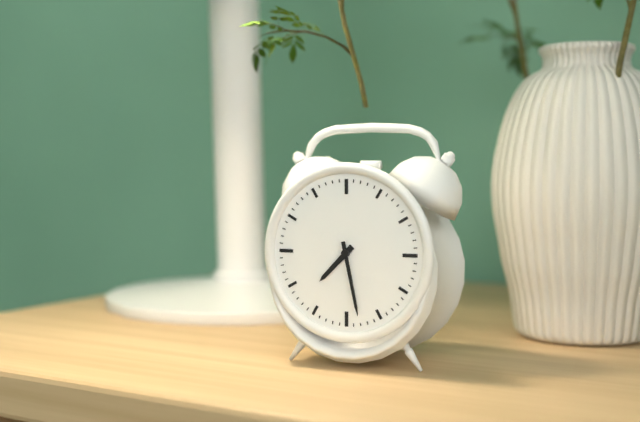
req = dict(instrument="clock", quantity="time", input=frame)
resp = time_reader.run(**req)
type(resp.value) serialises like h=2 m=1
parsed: h=7 m=28
